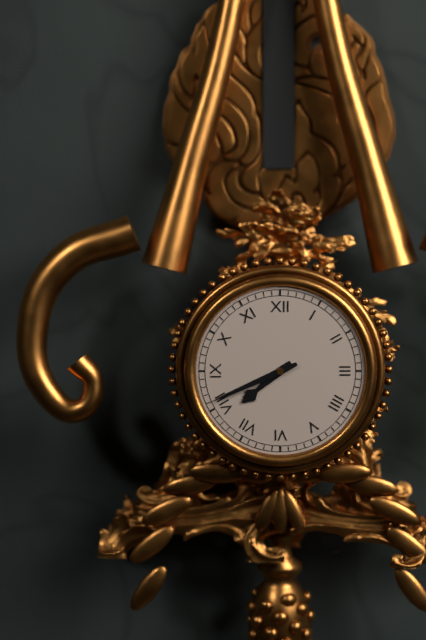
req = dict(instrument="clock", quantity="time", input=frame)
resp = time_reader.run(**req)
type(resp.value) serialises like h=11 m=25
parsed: h=7 m=41
